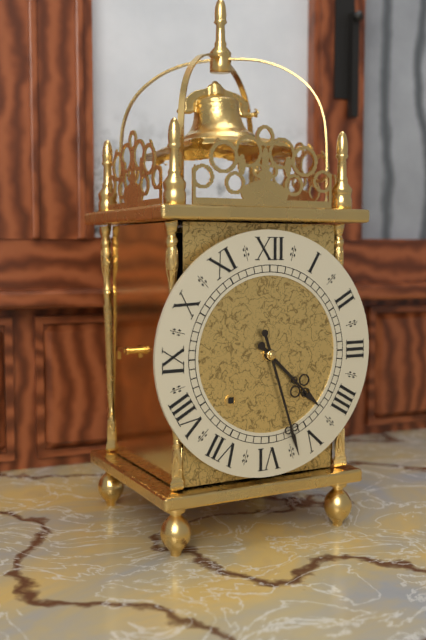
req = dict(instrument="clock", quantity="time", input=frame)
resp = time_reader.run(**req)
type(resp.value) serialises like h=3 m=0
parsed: h=4 m=27
